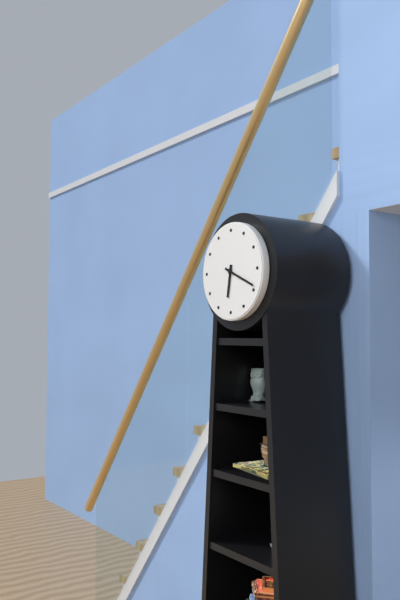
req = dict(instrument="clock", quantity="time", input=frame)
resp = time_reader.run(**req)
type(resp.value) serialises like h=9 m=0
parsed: h=6 m=19
